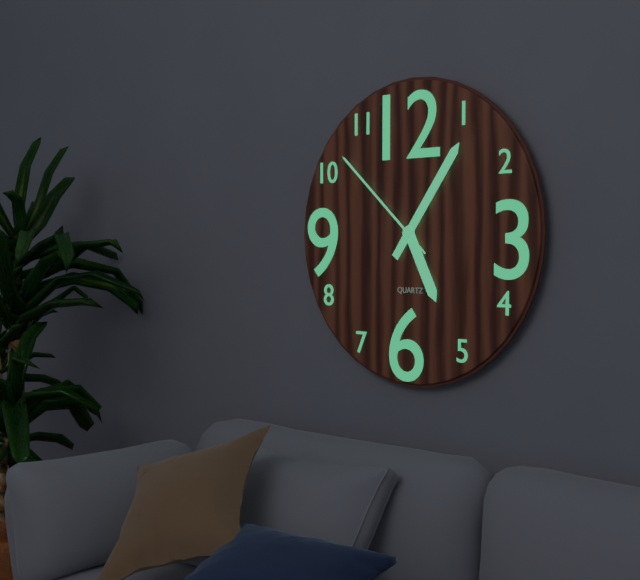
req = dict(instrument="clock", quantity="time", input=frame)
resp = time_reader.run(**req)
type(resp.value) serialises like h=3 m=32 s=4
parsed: h=5 m=6 s=52
